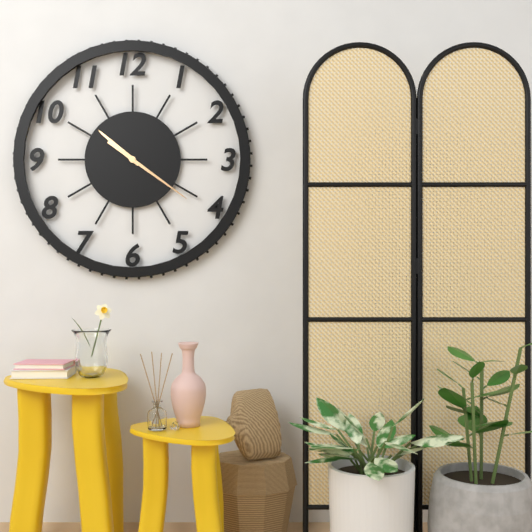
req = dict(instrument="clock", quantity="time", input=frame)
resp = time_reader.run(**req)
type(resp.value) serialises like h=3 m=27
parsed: h=10 m=21
